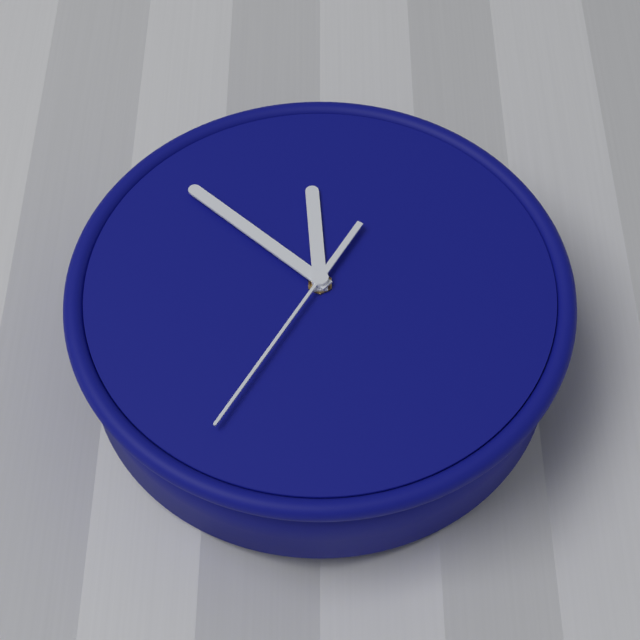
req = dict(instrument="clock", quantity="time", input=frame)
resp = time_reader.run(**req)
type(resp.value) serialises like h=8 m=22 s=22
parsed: h=11 m=52 s=35
